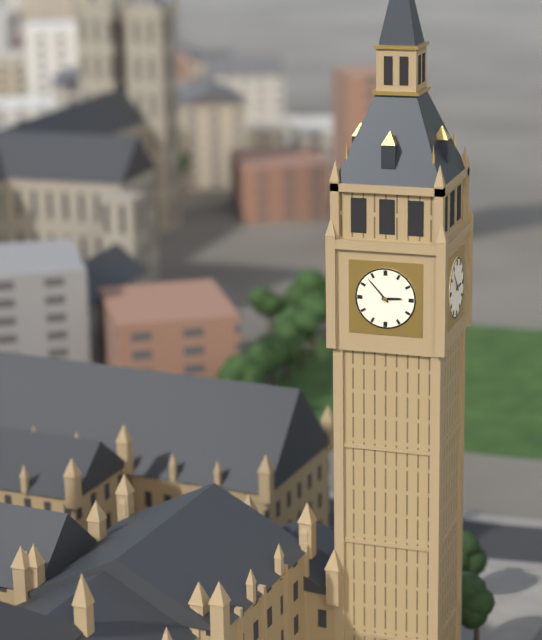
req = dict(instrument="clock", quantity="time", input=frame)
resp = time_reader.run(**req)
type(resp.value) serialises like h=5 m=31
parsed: h=2 m=53
